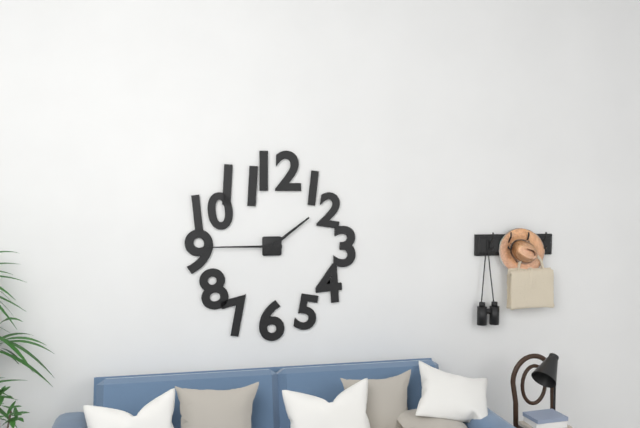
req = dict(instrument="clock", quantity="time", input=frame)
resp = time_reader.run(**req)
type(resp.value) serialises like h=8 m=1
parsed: h=1 m=45
